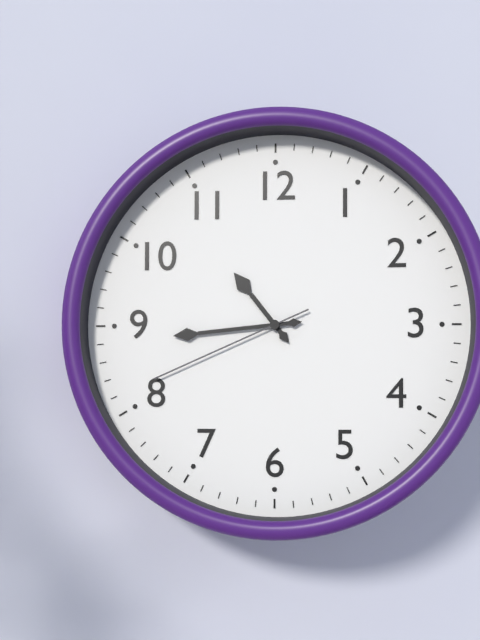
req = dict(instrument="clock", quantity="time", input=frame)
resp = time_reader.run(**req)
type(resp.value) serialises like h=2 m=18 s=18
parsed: h=10 m=44 s=41
